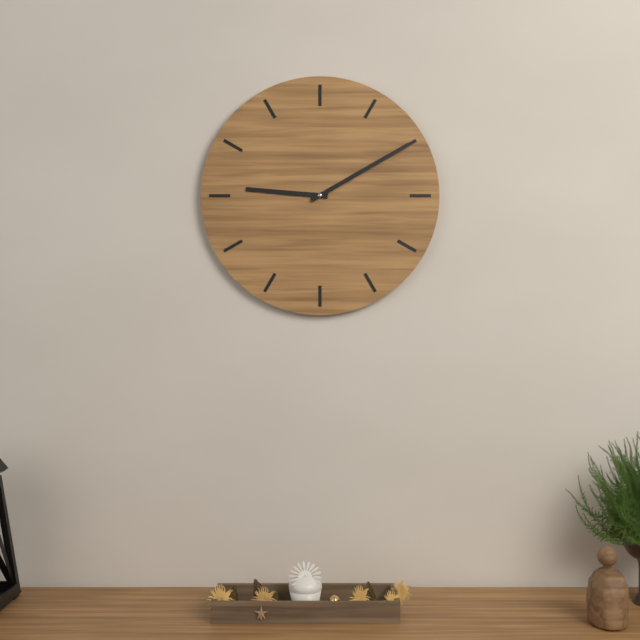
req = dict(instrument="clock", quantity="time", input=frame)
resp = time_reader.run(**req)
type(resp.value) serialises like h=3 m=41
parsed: h=9 m=10
